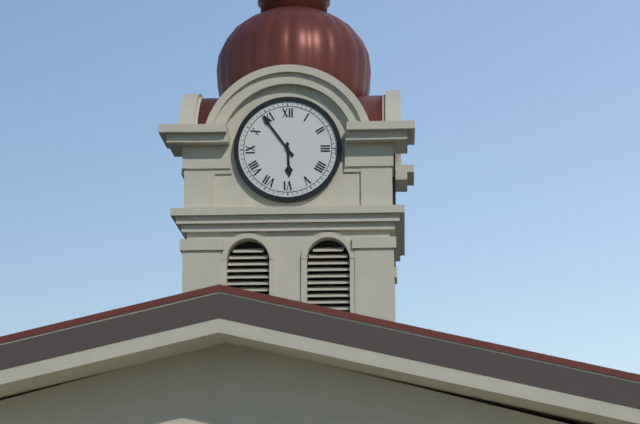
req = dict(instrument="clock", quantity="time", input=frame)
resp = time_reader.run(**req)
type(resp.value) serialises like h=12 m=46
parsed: h=5 m=54
